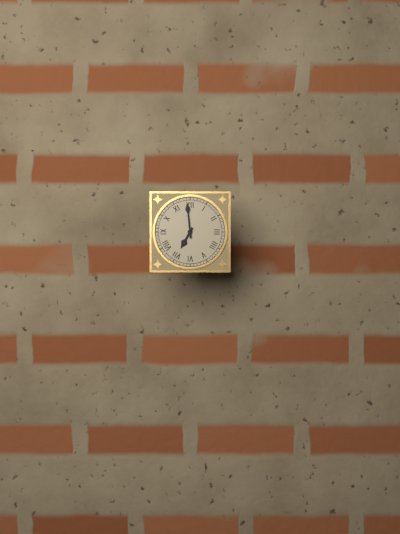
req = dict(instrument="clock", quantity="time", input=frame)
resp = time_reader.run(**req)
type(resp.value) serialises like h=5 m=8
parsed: h=6 m=59
